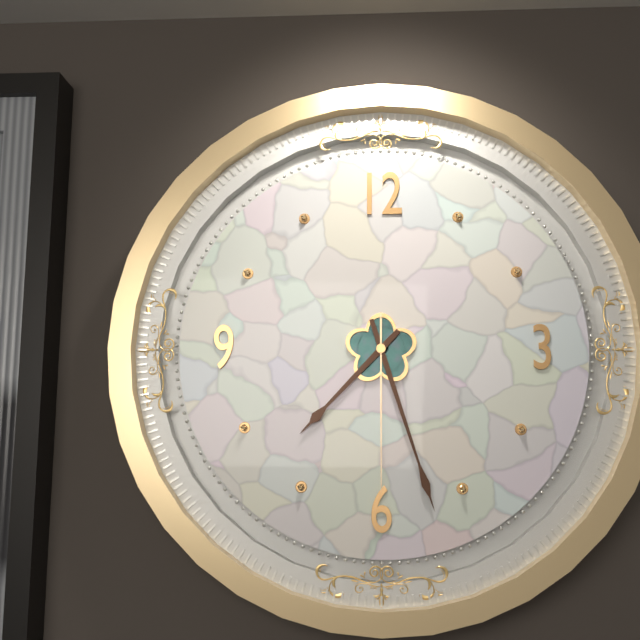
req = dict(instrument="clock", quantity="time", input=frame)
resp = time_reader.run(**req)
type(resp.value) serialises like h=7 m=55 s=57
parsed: h=7 m=27 s=30
